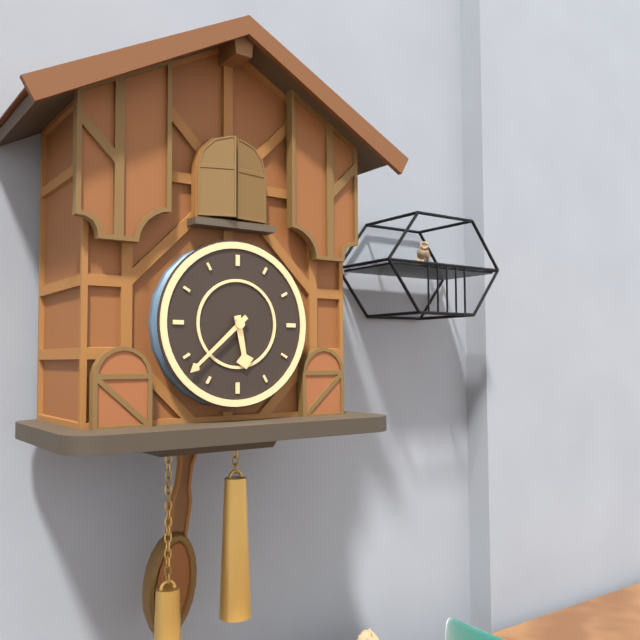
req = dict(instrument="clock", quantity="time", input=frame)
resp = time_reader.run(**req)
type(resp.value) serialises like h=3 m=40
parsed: h=5 m=38
